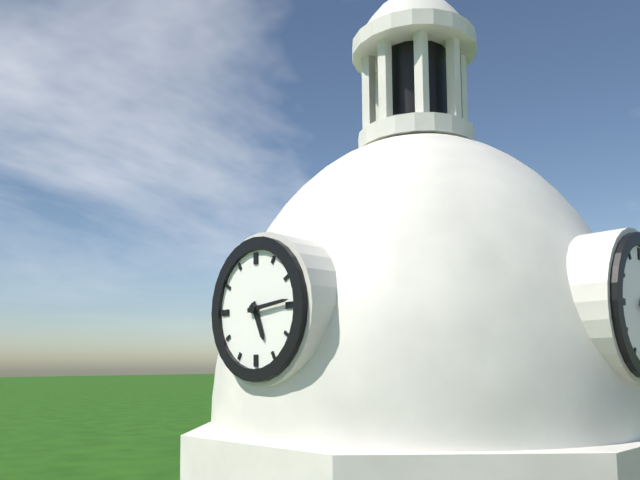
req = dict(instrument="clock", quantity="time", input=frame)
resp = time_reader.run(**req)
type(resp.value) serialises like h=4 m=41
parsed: h=5 m=14
